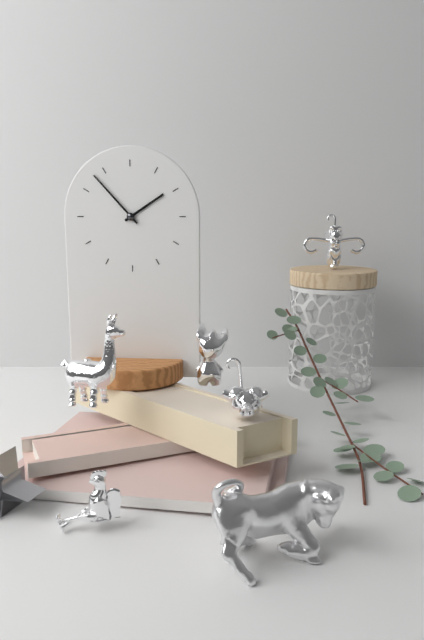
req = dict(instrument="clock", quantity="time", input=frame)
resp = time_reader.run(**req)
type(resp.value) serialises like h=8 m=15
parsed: h=1 m=53
